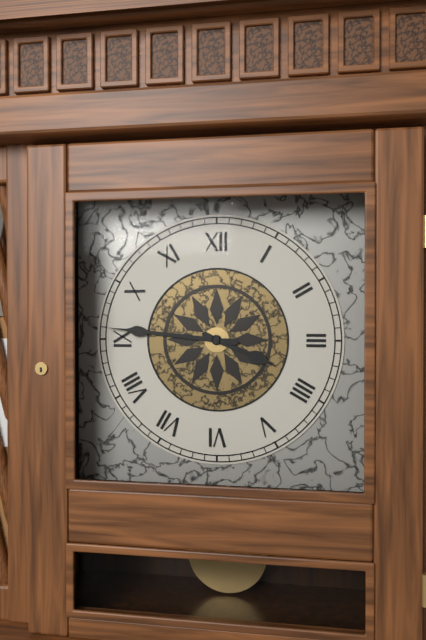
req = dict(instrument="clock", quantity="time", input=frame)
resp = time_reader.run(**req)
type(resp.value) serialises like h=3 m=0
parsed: h=3 m=46
